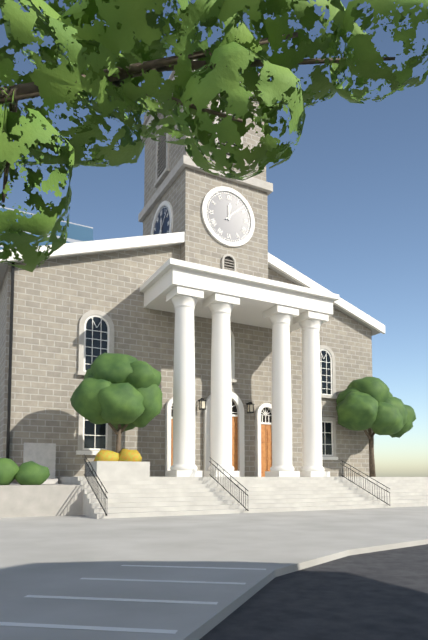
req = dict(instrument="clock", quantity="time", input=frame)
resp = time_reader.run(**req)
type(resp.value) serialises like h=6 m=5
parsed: h=12 m=8
